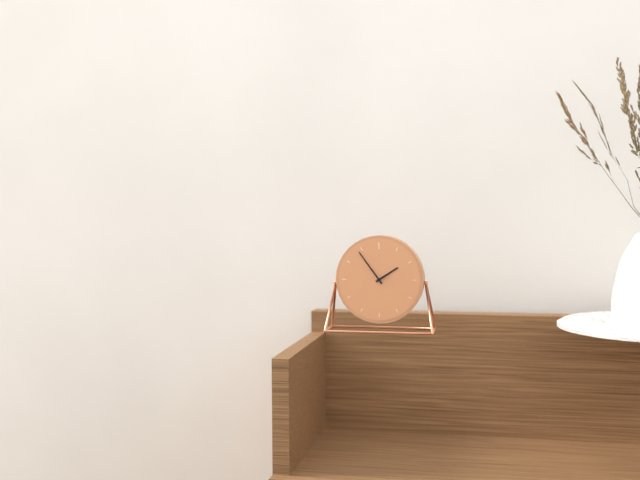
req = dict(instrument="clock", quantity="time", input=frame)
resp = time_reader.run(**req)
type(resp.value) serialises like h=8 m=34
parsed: h=1 m=54
